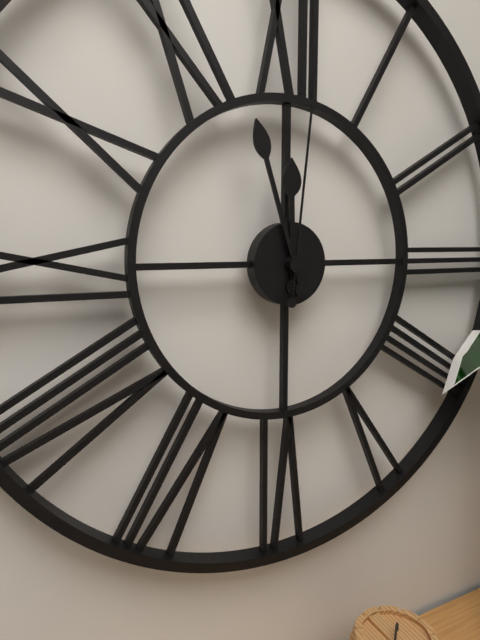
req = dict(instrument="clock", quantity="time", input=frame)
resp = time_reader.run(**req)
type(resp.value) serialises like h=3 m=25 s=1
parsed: h=11 m=57 s=1
